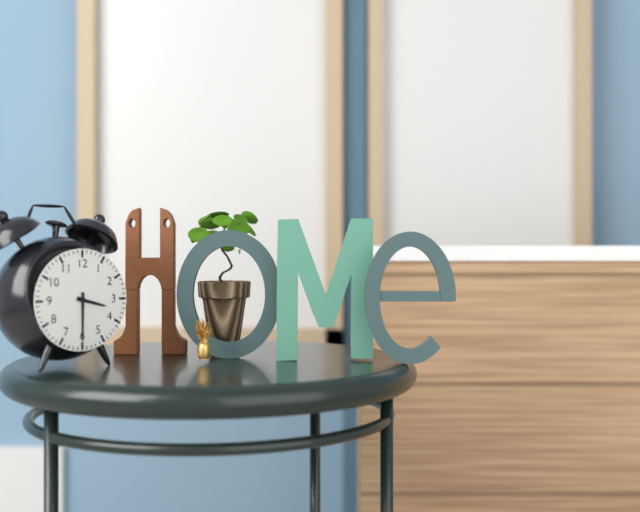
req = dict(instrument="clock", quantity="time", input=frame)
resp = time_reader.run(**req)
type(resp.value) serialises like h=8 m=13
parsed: h=3 m=30
